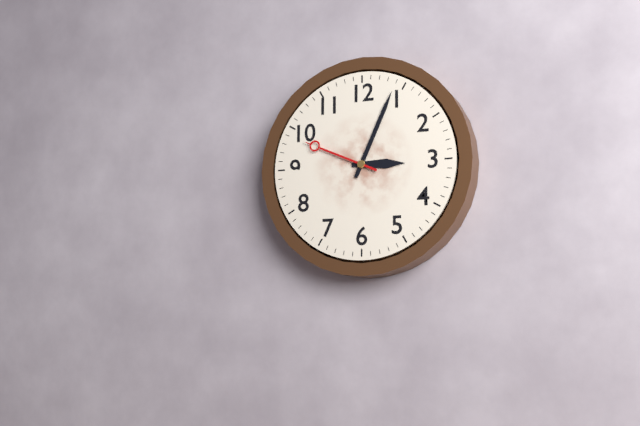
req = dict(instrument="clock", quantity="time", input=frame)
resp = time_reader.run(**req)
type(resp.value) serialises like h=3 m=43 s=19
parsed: h=3 m=4 s=49
